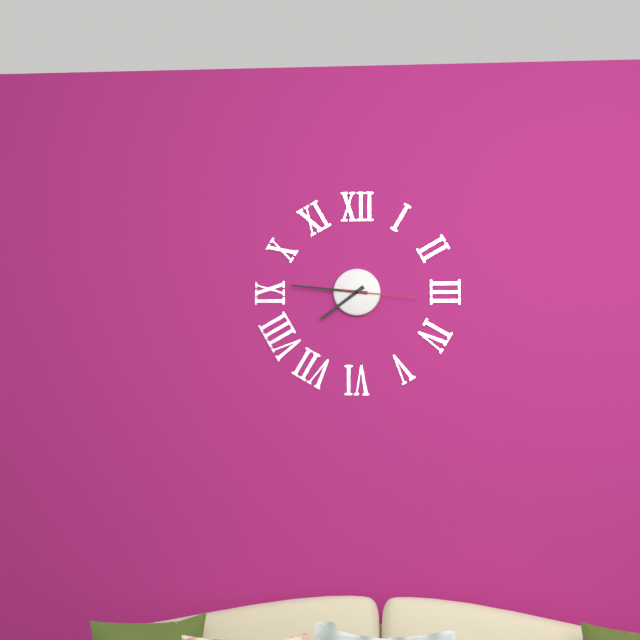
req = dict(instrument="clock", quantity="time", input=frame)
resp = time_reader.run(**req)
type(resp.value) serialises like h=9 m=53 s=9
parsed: h=7 m=46 s=16
